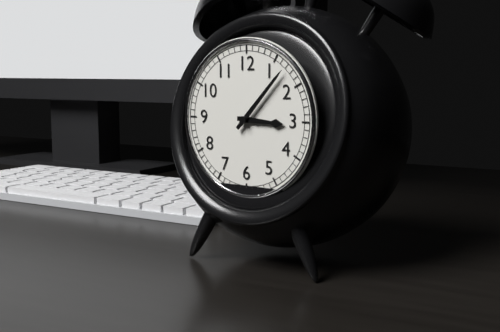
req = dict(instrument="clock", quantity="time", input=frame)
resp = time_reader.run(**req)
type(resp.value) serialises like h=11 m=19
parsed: h=3 m=7
